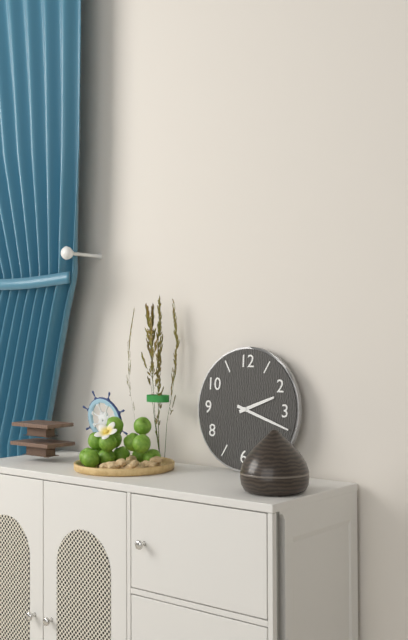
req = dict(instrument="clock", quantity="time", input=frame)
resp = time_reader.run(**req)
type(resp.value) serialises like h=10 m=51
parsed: h=2 m=18
